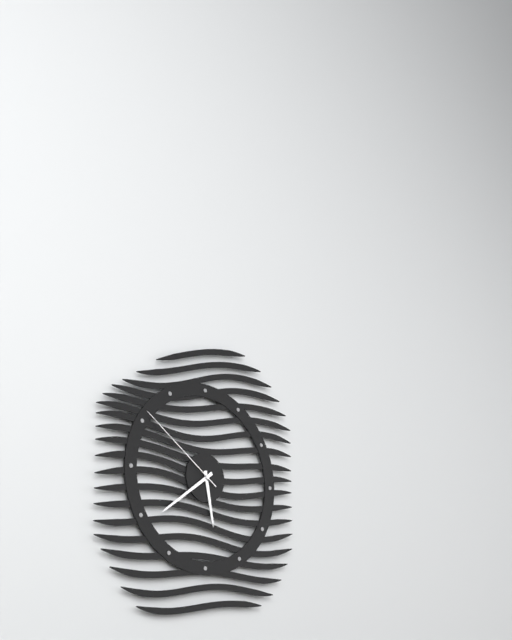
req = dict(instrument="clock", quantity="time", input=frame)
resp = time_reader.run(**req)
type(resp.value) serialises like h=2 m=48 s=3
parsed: h=5 m=39 s=51
